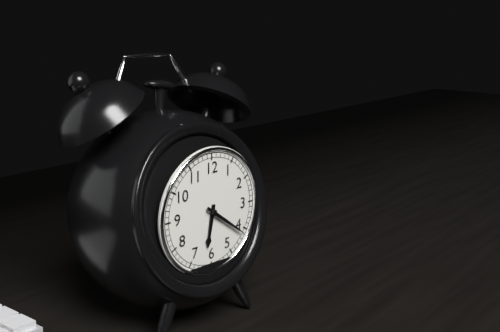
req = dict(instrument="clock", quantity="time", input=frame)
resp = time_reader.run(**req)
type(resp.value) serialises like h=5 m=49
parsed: h=6 m=21
